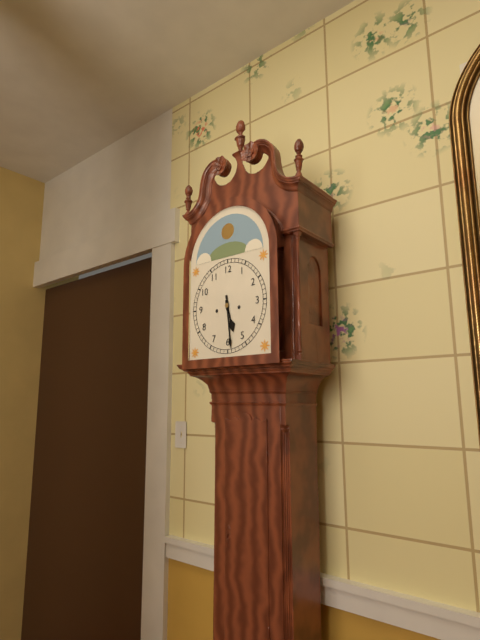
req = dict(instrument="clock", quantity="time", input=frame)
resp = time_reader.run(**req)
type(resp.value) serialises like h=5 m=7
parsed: h=5 m=29
